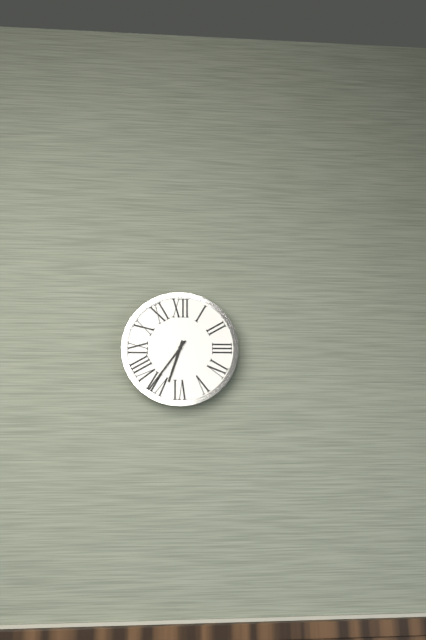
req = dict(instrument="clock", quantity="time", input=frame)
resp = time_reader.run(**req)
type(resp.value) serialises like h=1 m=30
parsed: h=6 m=36
